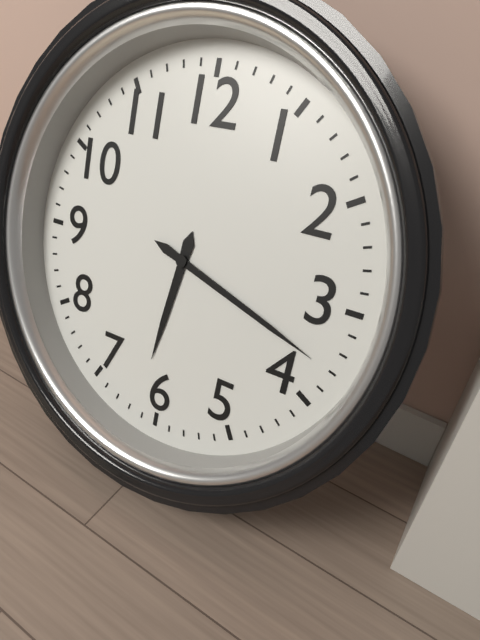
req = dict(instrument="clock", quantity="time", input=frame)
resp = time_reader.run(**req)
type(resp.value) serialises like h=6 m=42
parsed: h=6 m=18
